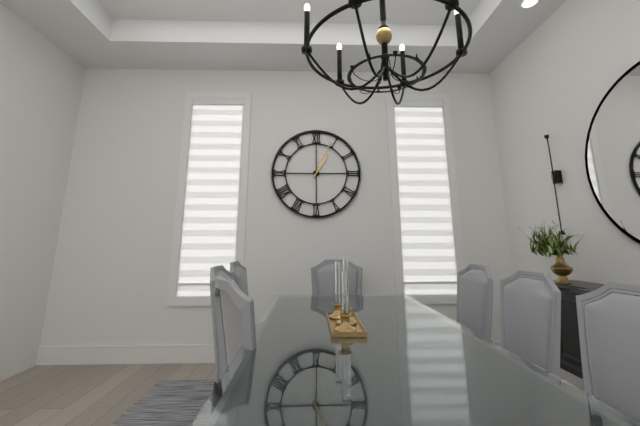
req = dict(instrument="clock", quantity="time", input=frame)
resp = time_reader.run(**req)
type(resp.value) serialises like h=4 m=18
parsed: h=1 m=4
